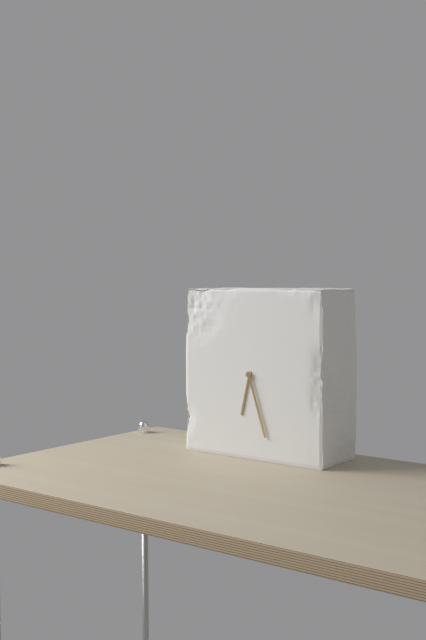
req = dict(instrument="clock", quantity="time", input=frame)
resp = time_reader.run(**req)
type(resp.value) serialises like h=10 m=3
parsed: h=6 m=27
